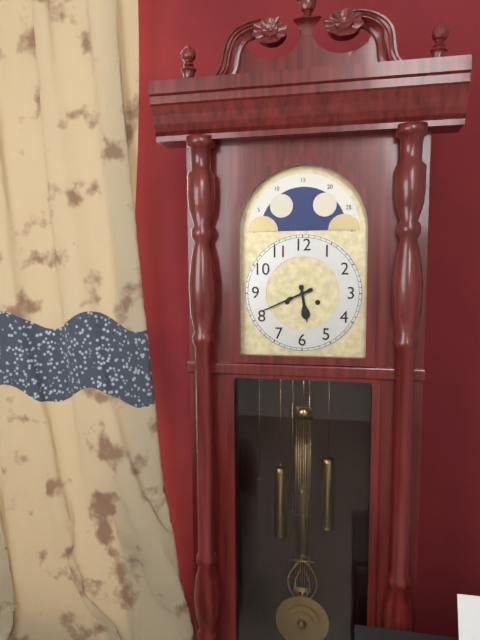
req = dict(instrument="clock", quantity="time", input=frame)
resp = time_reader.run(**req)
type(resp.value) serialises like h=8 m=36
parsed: h=5 m=41
